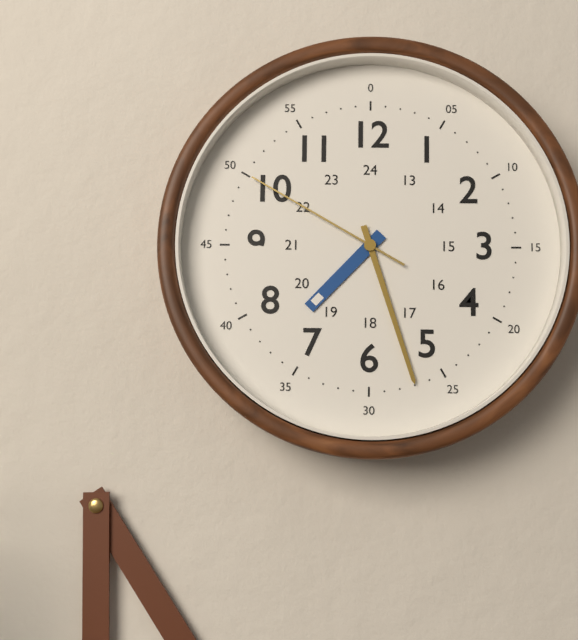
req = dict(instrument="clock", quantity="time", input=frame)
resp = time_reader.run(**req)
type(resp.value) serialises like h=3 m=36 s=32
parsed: h=7 m=27 s=50
